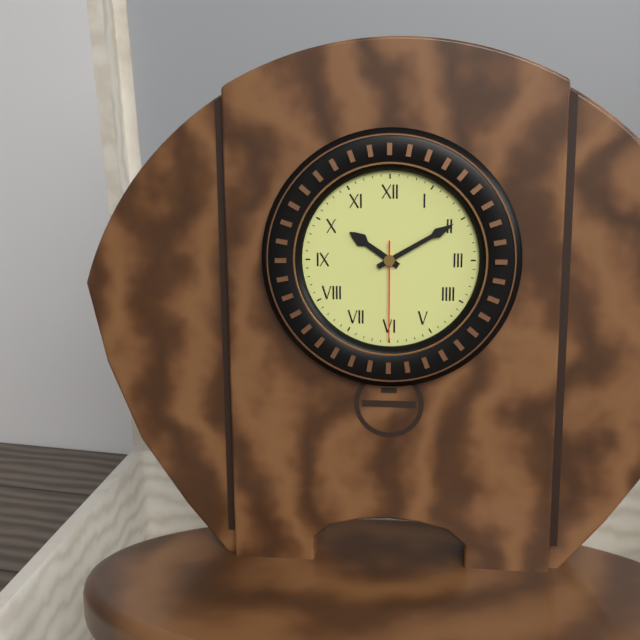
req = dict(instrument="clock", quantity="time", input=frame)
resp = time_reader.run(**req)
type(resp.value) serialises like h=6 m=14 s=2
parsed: h=10 m=10 s=30
